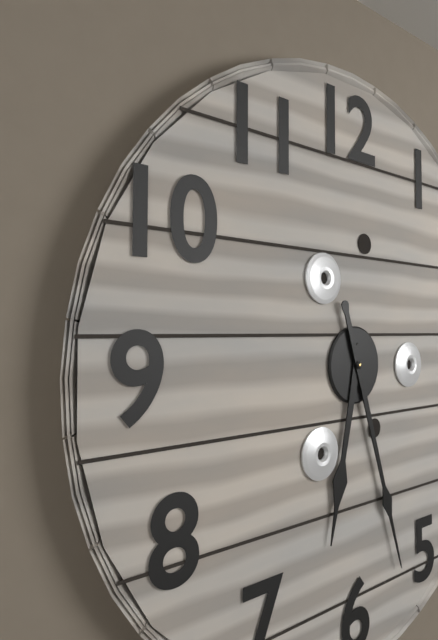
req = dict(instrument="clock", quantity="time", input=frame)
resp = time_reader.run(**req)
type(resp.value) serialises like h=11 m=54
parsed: h=6 m=27
